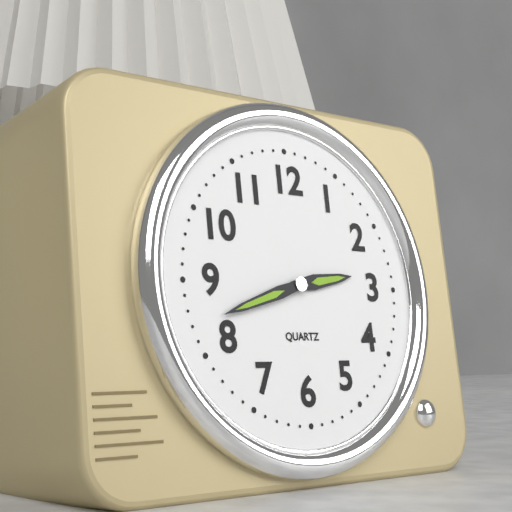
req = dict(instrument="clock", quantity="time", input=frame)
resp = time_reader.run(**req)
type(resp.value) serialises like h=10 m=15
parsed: h=2 m=42
